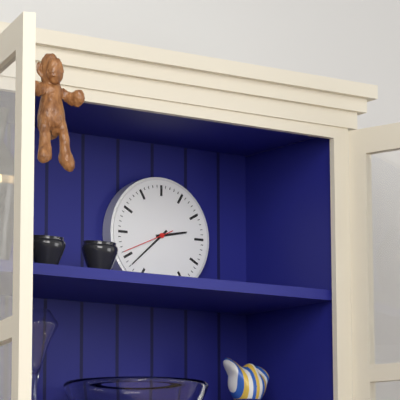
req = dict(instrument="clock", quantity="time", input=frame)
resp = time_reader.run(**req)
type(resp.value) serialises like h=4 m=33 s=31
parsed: h=2 m=38 s=41
